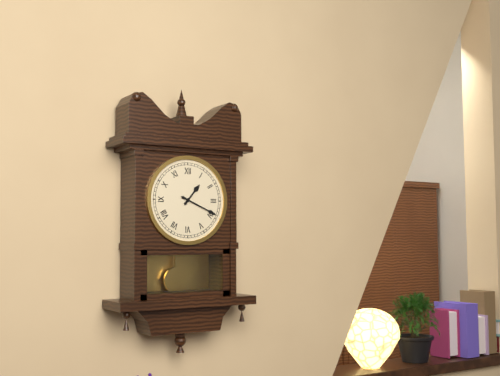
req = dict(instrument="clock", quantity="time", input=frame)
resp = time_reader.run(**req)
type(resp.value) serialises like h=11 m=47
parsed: h=1 m=19
